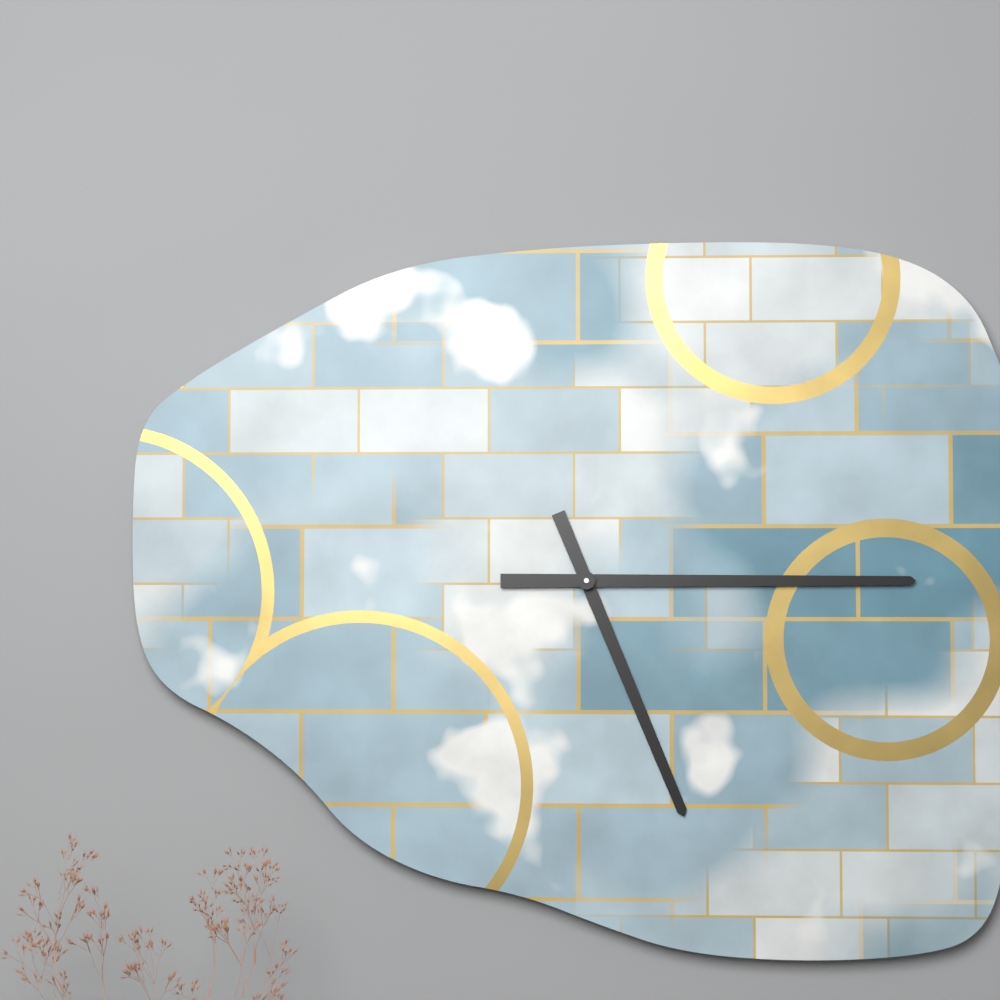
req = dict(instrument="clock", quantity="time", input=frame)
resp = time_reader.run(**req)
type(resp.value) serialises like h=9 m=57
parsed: h=5 m=15
